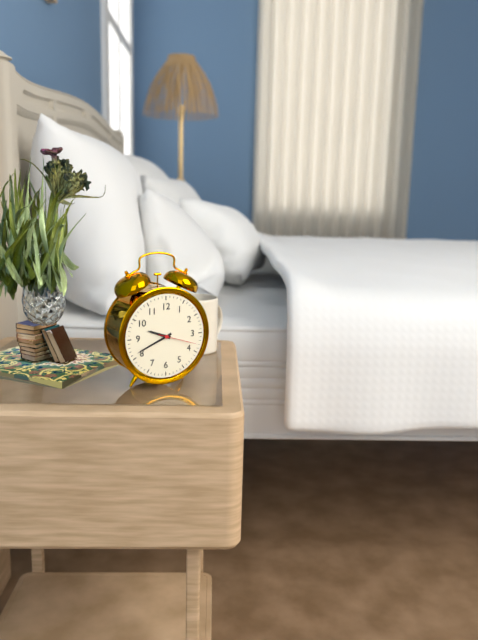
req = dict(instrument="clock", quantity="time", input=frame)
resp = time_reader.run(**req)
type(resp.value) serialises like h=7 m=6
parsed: h=9 m=41
